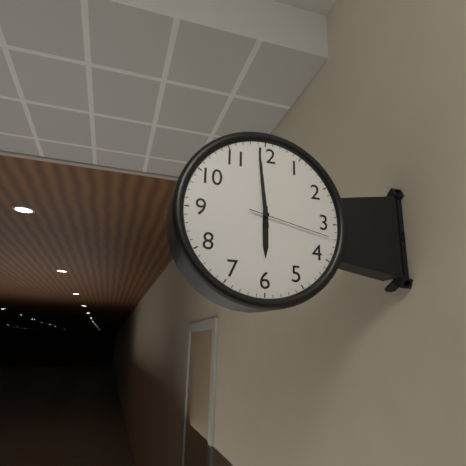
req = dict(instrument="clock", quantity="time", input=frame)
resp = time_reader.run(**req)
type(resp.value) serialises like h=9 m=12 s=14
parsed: h=5 m=59 s=17
